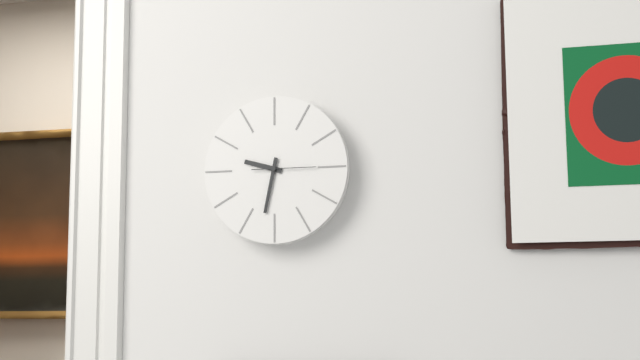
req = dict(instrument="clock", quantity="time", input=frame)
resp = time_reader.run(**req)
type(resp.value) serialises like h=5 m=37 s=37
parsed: h=9 m=32 s=15
